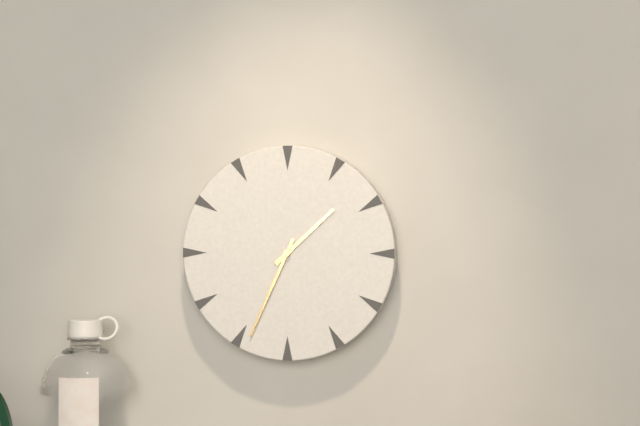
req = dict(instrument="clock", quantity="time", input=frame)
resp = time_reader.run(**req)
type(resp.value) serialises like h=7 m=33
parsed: h=1 m=34
